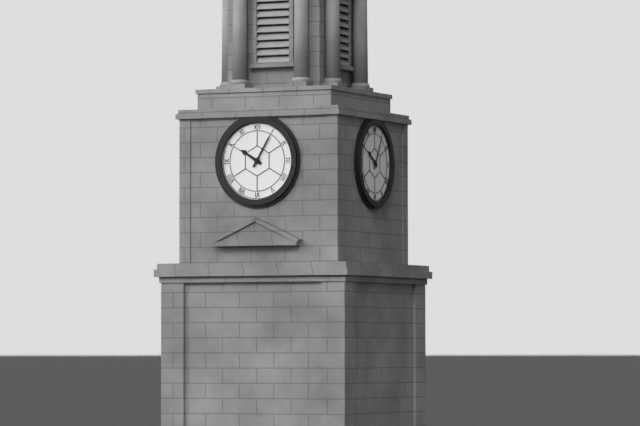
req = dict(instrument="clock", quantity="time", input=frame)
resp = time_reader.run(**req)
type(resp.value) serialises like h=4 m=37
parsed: h=10 m=5
